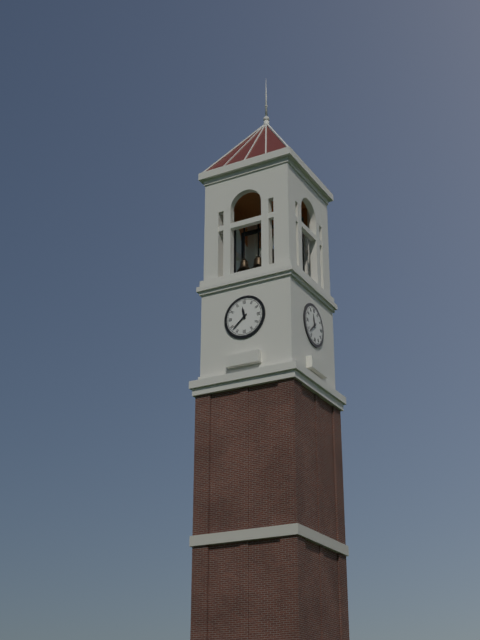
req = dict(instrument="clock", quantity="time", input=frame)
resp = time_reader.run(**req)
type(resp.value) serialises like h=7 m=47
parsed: h=11 m=38
